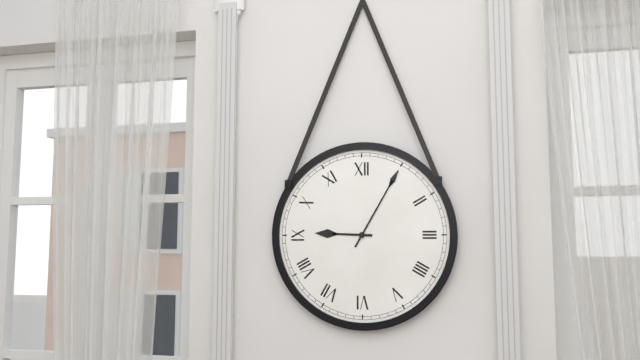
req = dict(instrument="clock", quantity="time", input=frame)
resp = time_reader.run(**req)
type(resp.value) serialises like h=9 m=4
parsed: h=9 m=5
